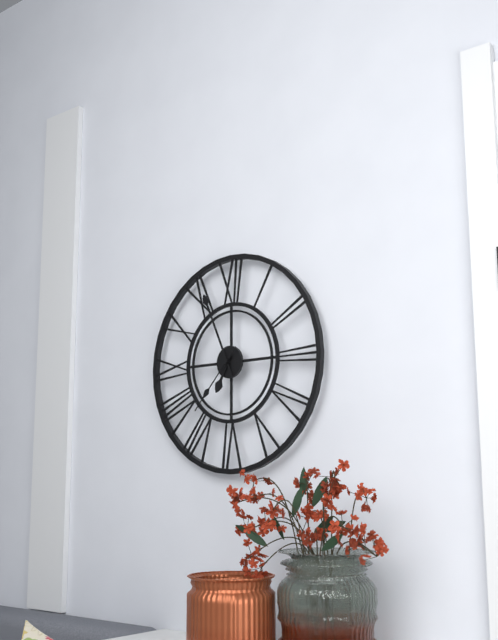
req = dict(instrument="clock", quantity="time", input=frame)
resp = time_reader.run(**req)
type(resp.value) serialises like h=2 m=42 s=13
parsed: h=6 m=56 s=37
